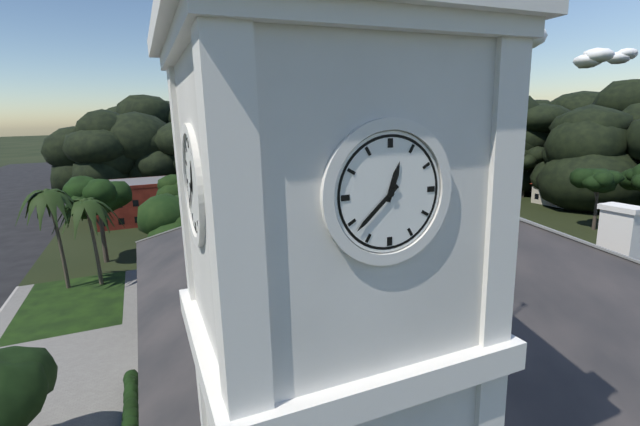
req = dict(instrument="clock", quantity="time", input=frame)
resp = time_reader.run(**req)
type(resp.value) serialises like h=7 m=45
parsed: h=12 m=38
